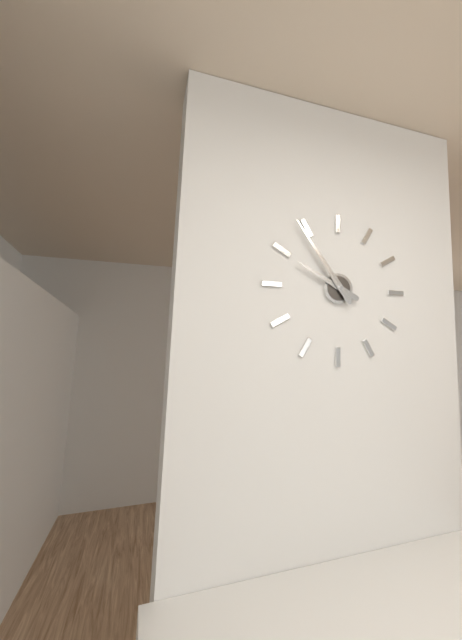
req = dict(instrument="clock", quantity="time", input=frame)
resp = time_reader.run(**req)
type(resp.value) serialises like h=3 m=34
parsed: h=9 m=54
